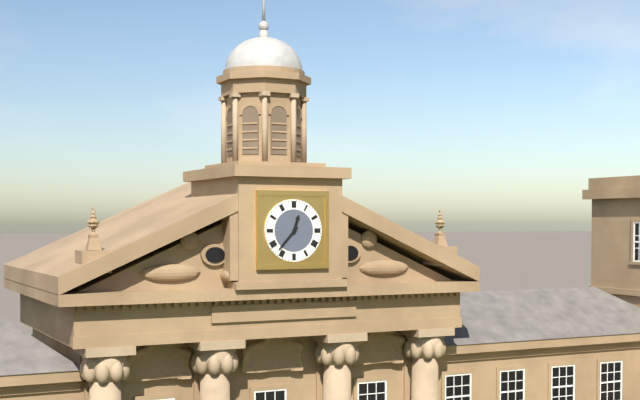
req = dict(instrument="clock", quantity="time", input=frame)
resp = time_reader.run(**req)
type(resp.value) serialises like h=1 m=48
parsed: h=12 m=37
